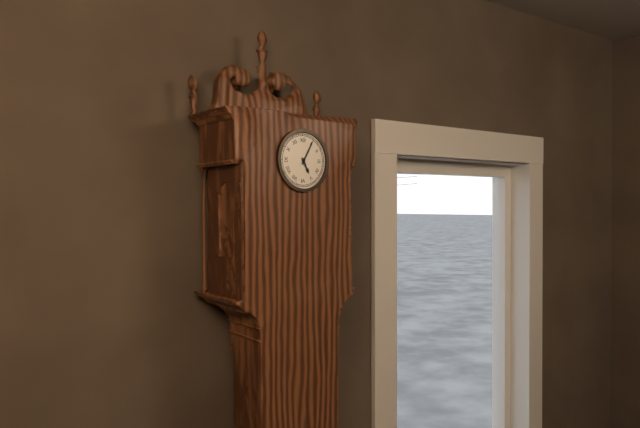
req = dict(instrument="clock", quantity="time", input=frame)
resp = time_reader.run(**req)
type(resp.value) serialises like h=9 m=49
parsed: h=5 m=5
